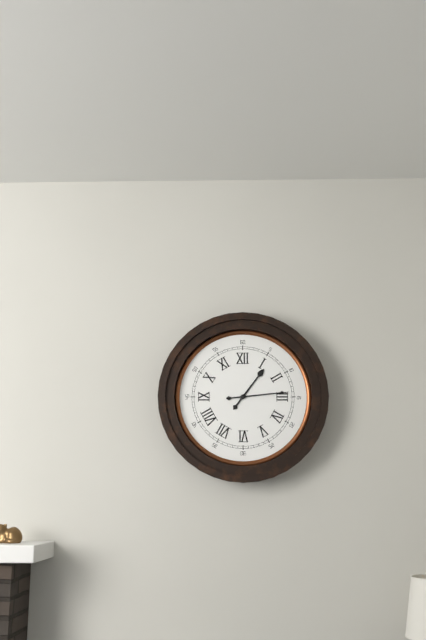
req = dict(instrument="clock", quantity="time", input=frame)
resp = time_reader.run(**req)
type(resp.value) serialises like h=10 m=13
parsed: h=1 m=14
